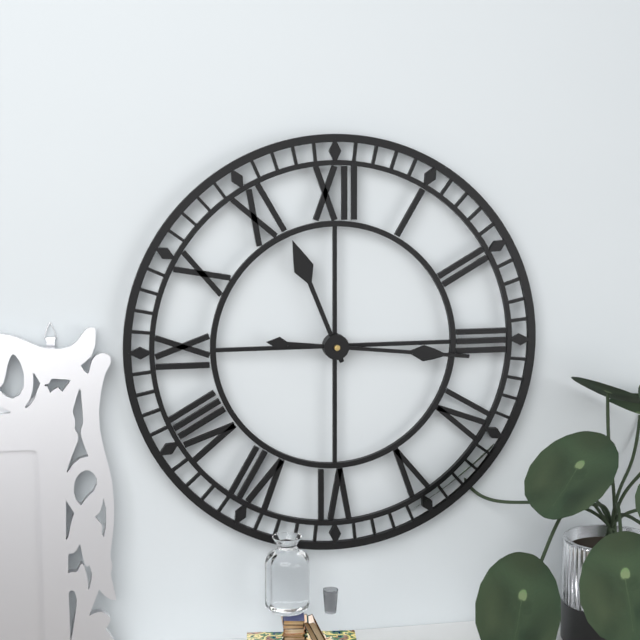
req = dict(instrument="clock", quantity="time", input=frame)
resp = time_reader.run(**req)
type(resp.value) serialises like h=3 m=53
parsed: h=11 m=16
